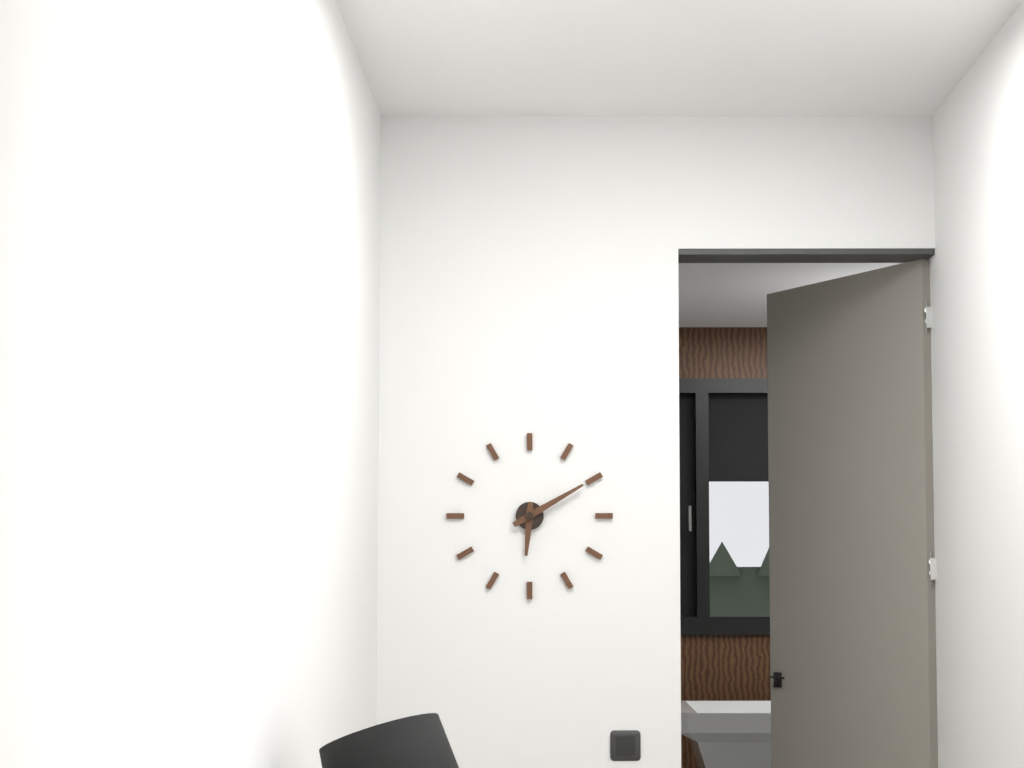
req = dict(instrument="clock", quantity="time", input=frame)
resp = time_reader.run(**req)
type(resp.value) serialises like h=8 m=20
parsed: h=6 m=10
